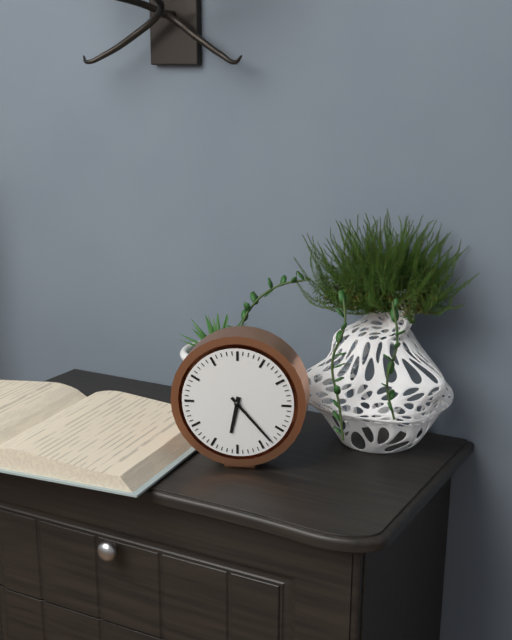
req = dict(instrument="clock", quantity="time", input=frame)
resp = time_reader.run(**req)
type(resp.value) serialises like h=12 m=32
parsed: h=6 m=23
